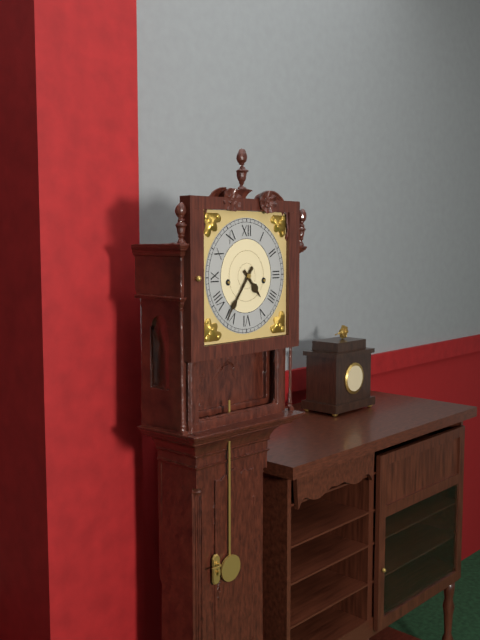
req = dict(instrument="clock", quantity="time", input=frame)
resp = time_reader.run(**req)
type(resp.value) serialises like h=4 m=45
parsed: h=4 m=36
